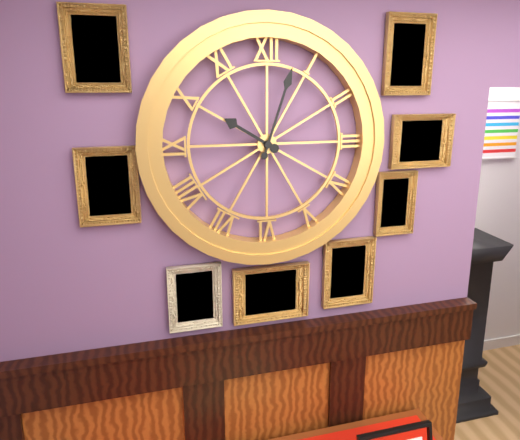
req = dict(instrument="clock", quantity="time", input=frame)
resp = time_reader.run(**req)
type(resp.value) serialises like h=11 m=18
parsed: h=10 m=3
